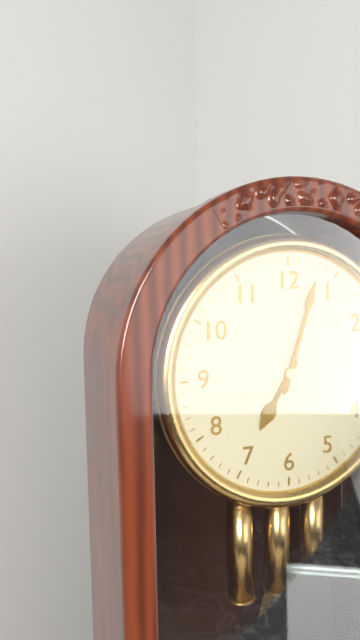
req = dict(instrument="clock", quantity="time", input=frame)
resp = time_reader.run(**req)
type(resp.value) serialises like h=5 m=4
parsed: h=7 m=3
